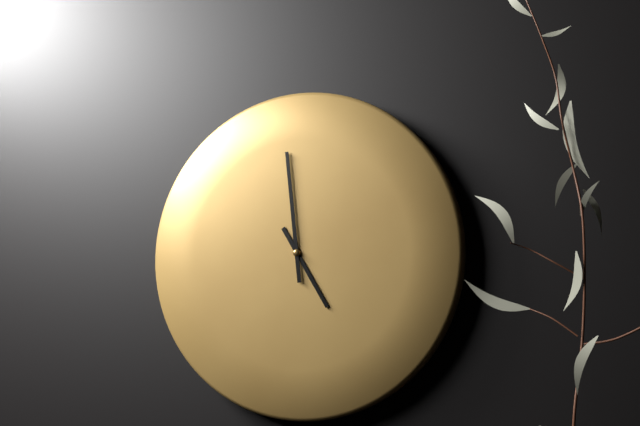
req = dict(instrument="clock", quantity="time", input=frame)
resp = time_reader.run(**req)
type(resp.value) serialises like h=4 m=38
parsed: h=4 m=59
